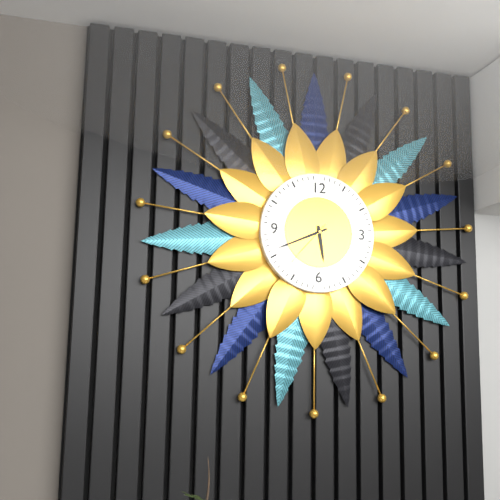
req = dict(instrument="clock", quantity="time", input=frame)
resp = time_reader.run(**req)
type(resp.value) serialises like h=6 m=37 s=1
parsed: h=5 m=41 s=37
